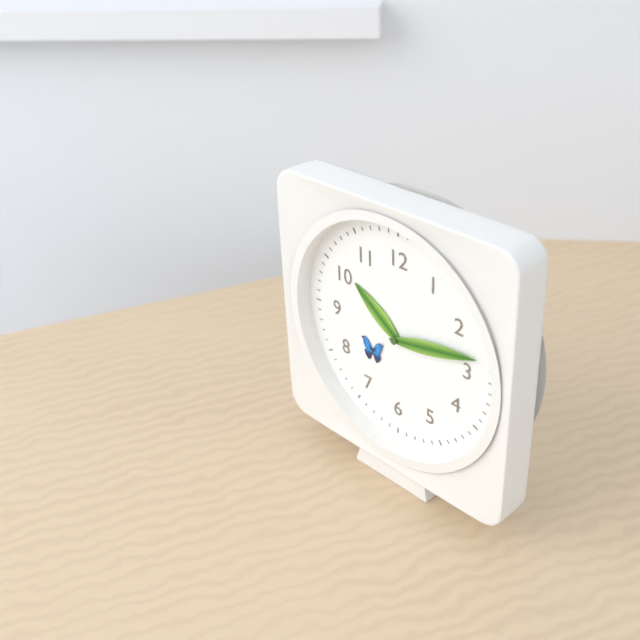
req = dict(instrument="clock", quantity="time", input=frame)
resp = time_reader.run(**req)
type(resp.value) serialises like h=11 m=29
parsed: h=10 m=13
